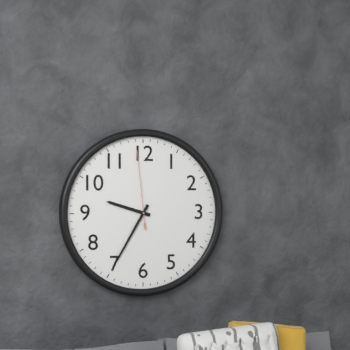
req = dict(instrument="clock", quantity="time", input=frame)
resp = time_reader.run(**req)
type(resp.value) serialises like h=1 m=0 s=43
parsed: h=9 m=35 s=59
